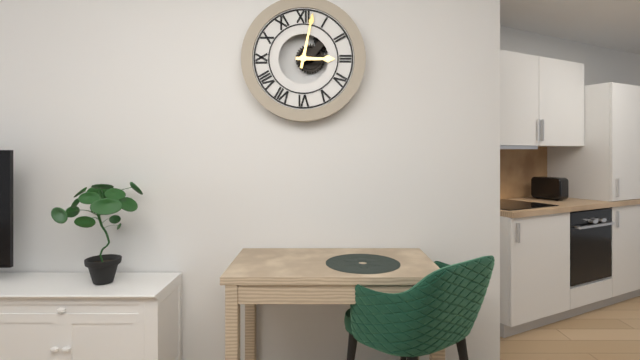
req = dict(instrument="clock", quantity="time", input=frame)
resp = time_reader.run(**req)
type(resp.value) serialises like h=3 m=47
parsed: h=3 m=2
